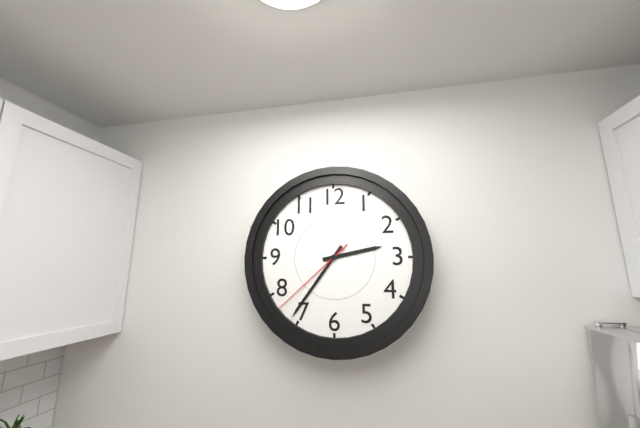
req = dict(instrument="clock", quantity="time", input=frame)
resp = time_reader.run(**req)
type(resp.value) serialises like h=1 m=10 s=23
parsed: h=2 m=36 s=38
